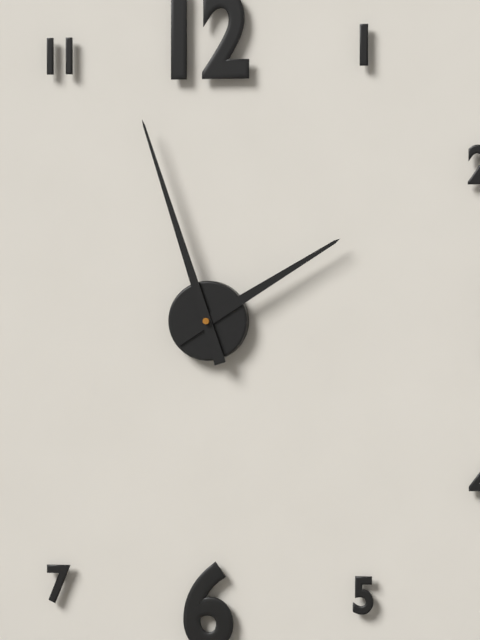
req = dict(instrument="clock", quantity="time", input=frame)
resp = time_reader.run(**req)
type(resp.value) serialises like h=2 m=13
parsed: h=1 m=57
